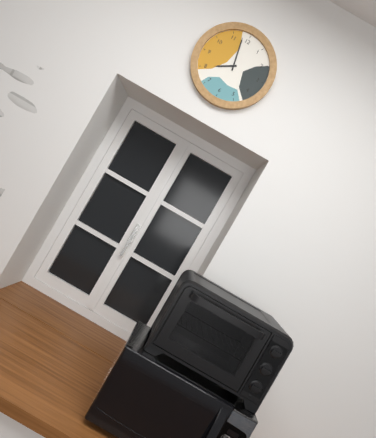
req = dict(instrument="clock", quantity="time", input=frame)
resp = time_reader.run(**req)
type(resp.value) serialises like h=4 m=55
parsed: h=7 m=58
